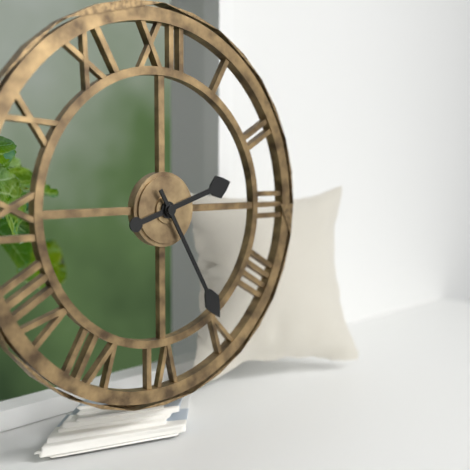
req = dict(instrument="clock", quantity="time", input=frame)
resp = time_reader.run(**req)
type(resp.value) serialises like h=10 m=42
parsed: h=2 m=25
